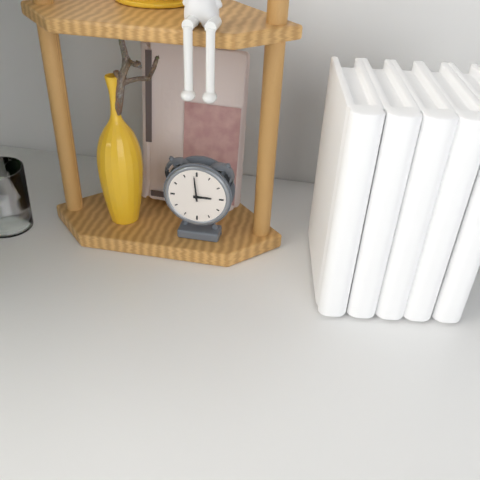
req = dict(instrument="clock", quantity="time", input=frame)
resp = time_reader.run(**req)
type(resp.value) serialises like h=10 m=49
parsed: h=2 m=59
